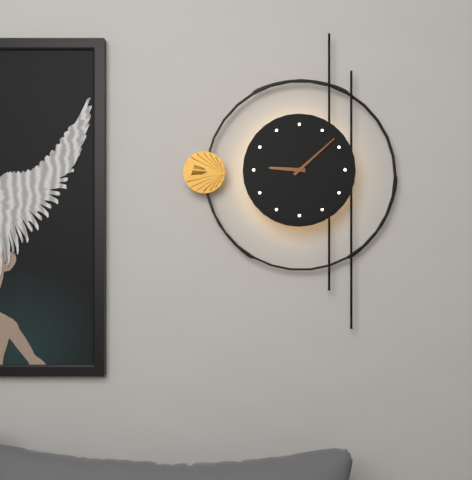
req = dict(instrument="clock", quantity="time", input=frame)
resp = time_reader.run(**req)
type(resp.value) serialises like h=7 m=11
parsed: h=9 m=8
